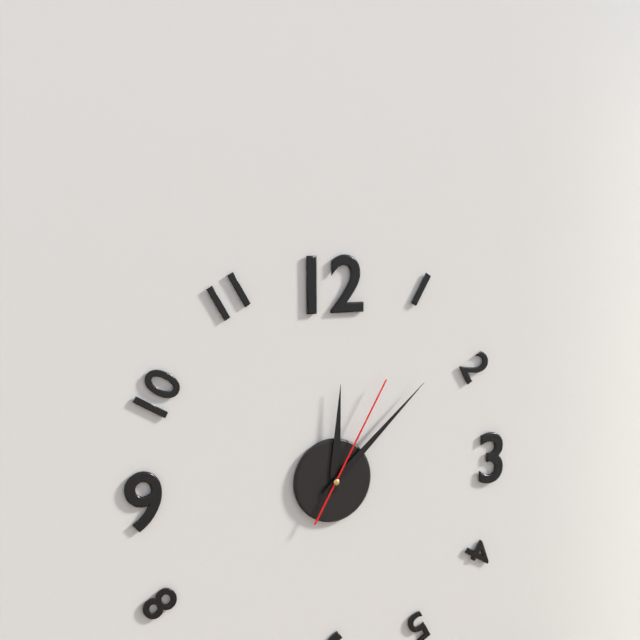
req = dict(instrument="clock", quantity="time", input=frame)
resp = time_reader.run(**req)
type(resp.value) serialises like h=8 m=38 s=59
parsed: h=12 m=8 s=5
